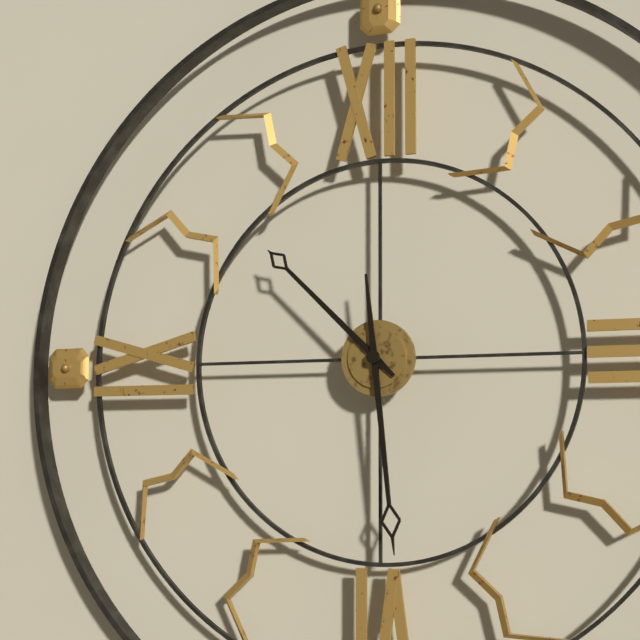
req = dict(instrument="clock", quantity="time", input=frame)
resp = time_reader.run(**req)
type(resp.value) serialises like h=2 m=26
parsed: h=10 m=29
